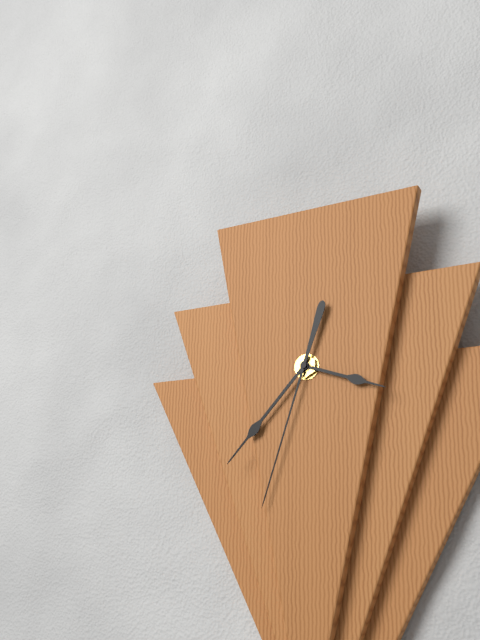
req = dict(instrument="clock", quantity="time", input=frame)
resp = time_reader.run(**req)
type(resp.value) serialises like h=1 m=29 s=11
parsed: h=3 m=37 s=33
